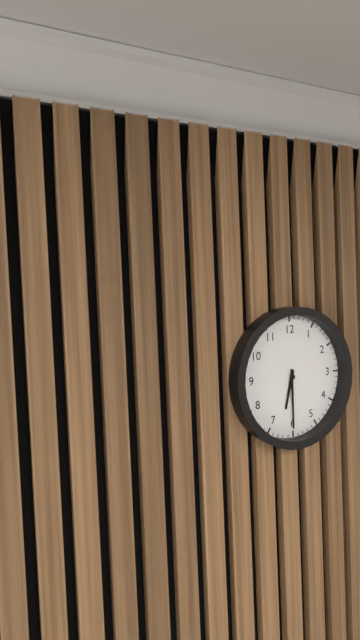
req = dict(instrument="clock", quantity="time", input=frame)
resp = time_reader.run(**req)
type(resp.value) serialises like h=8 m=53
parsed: h=6 m=30
